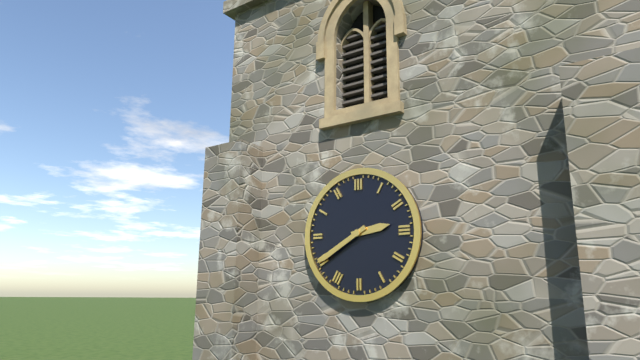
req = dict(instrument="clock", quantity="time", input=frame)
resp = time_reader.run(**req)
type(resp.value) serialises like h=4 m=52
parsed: h=2 m=40
